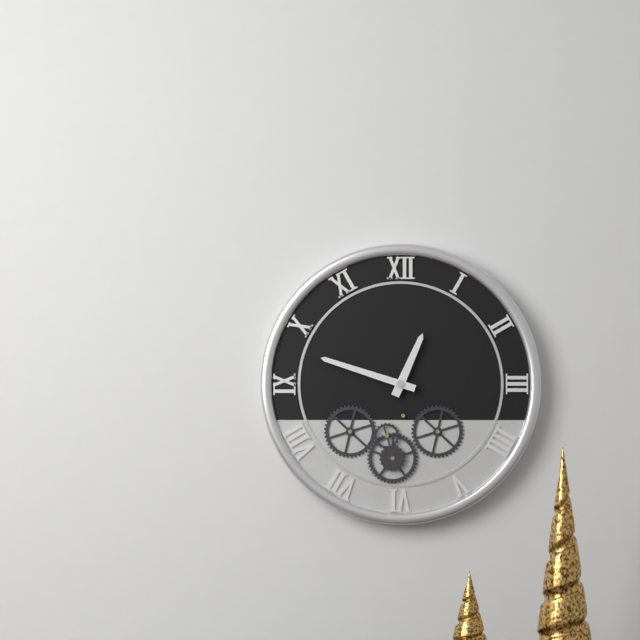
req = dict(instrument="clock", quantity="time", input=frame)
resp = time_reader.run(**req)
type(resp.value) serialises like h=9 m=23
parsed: h=12 m=48
